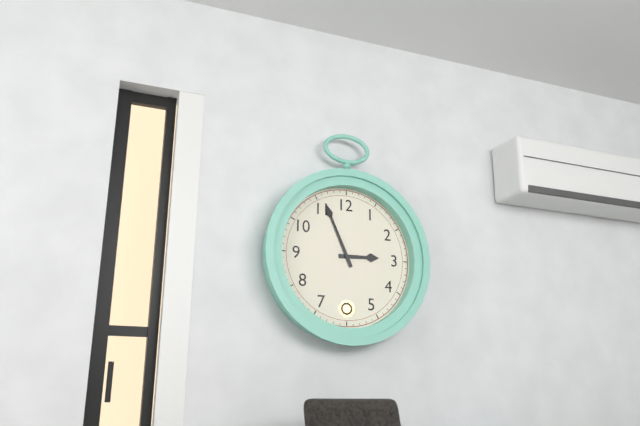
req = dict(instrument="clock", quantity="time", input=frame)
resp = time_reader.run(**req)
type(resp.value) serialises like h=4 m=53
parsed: h=2 m=56
